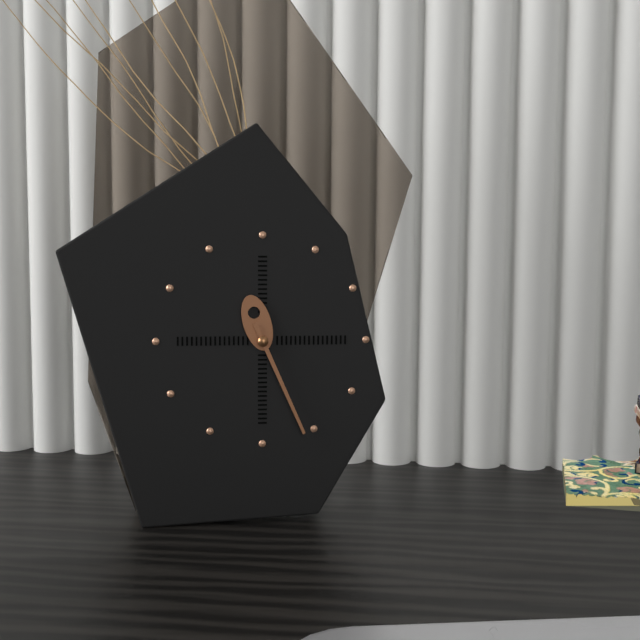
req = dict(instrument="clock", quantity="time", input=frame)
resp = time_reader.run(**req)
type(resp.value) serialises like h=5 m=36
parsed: h=11 m=26
